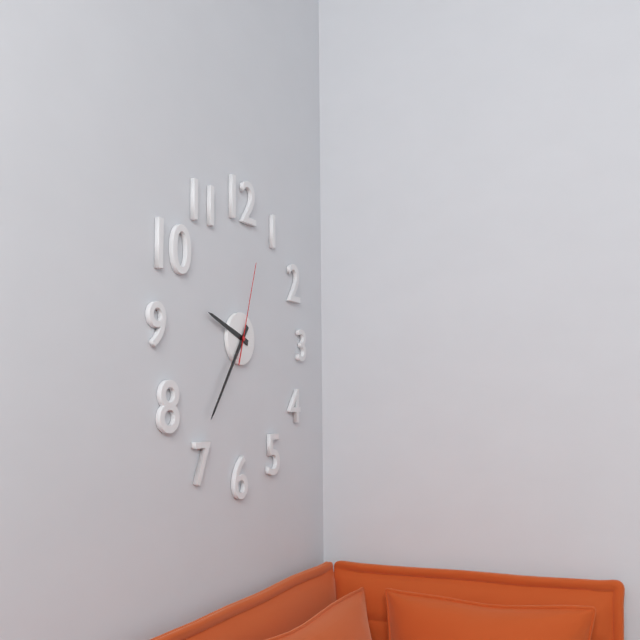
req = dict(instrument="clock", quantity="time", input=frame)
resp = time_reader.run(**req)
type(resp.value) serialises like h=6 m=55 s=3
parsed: h=9 m=36 s=3
